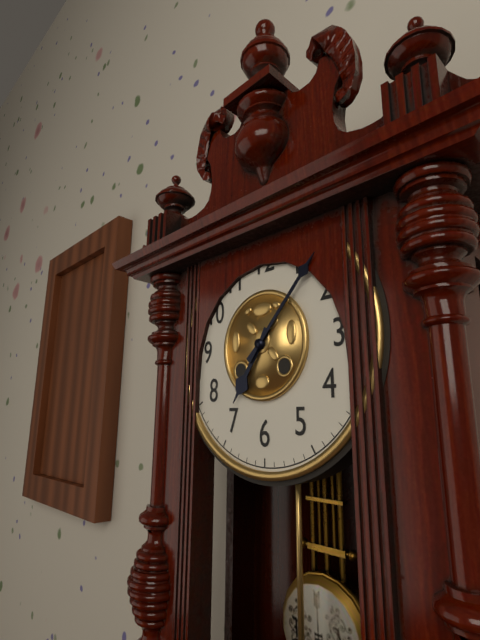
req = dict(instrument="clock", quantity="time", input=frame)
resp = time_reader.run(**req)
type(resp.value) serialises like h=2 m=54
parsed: h=7 m=7
